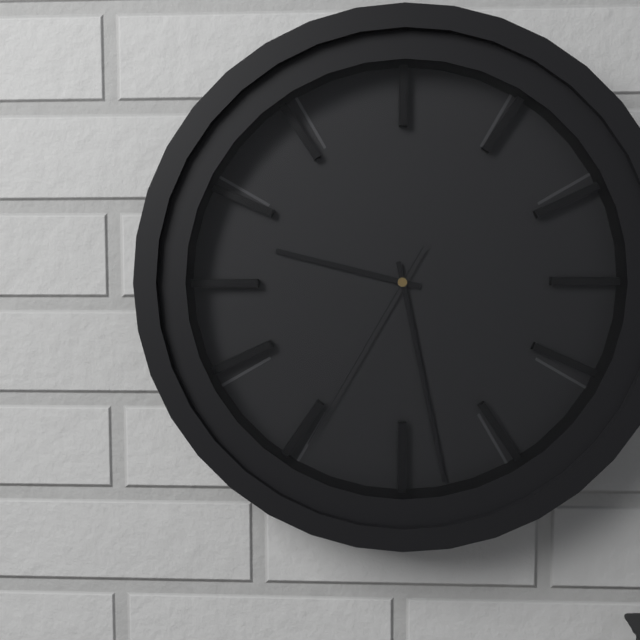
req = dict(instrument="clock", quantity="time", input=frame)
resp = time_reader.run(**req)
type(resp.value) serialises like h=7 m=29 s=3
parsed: h=9 m=28 s=35
